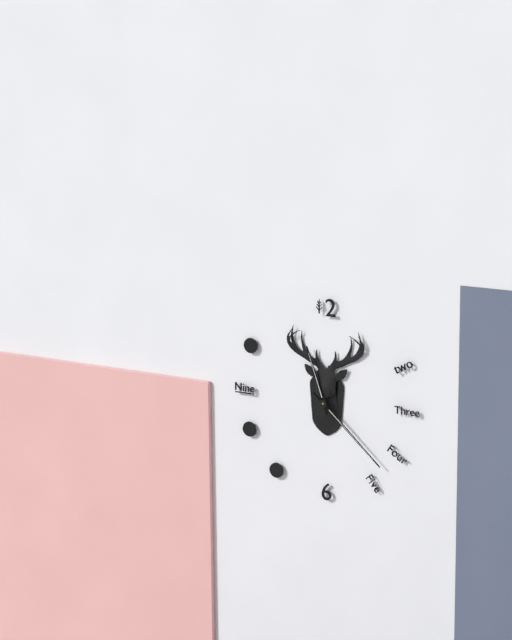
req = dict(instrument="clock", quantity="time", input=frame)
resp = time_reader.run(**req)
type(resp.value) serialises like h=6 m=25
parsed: h=11 m=22
